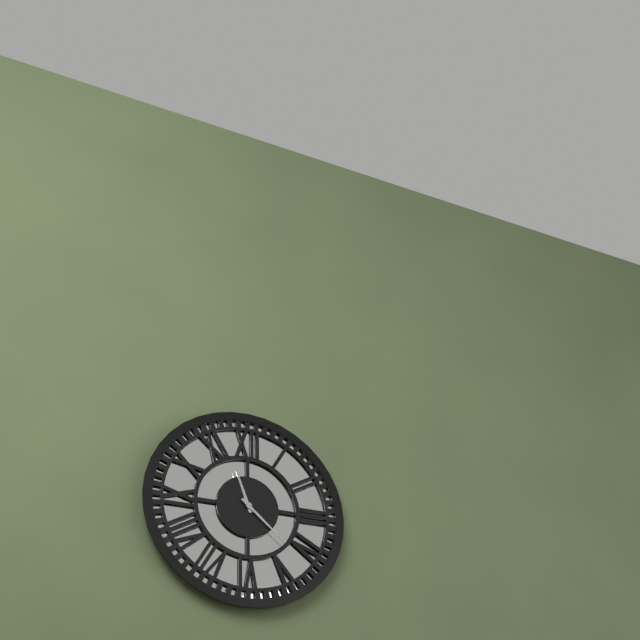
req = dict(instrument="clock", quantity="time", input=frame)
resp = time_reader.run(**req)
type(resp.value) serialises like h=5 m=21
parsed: h=11 m=22
